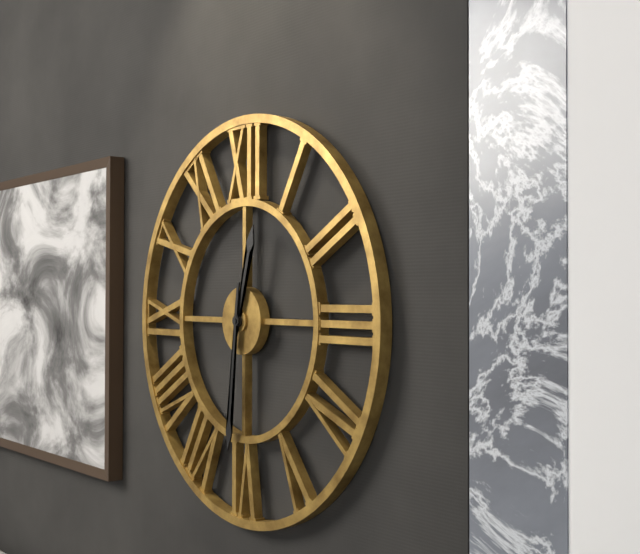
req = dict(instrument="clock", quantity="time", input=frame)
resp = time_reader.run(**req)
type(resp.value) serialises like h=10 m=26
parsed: h=12 m=31
